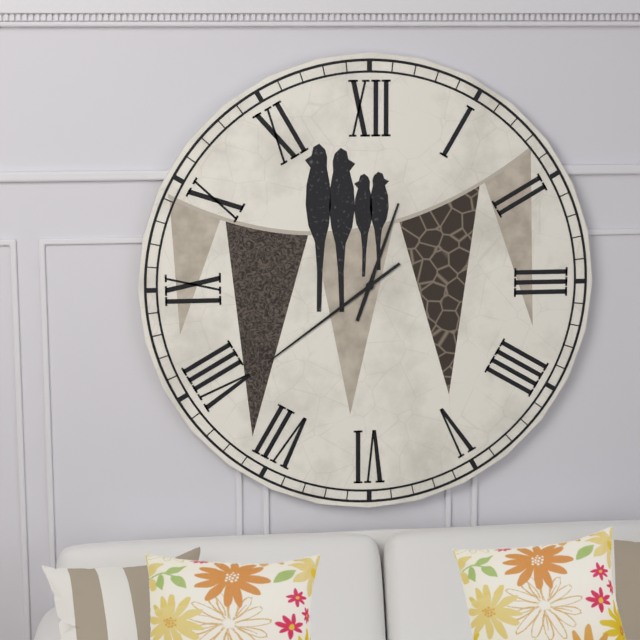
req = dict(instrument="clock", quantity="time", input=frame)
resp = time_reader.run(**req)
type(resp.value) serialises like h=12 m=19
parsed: h=12 m=39
